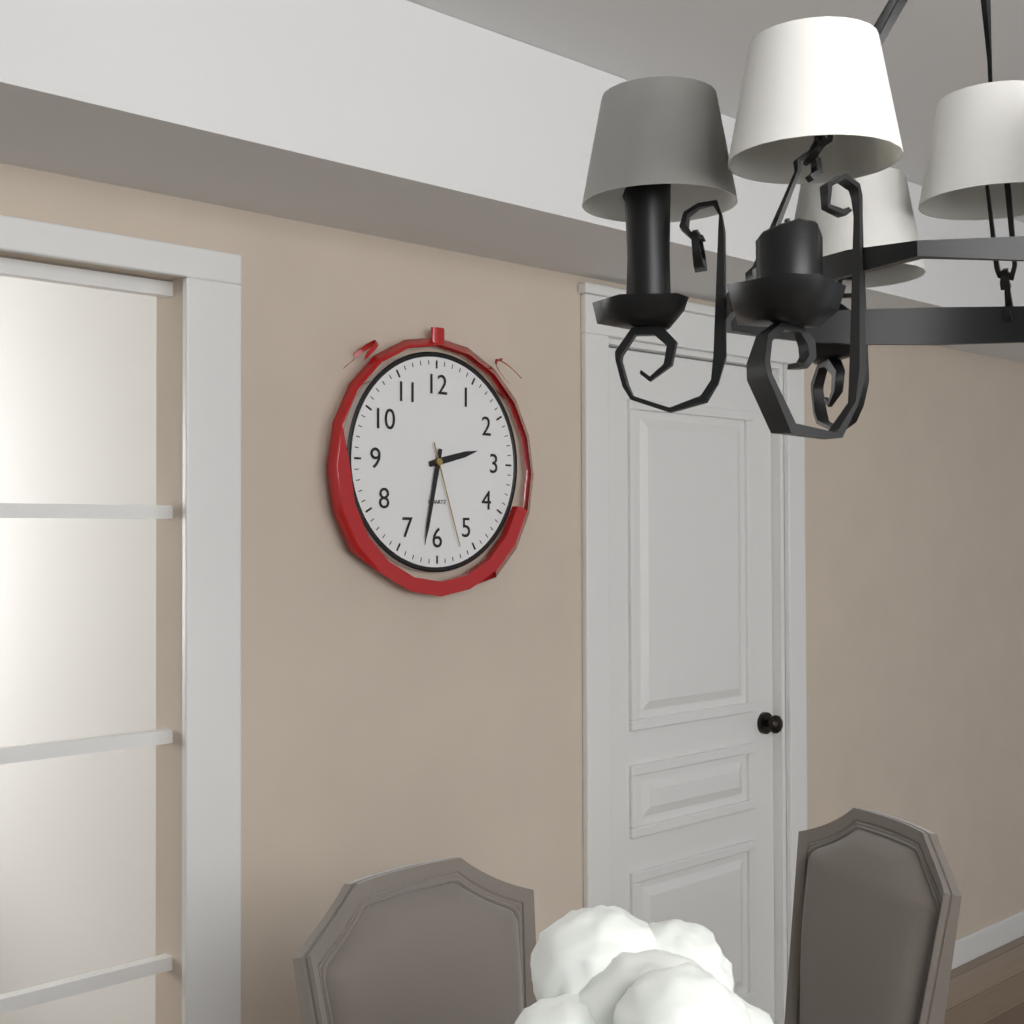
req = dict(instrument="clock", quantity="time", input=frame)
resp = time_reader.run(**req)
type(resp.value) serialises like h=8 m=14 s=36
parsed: h=2 m=32 s=27
